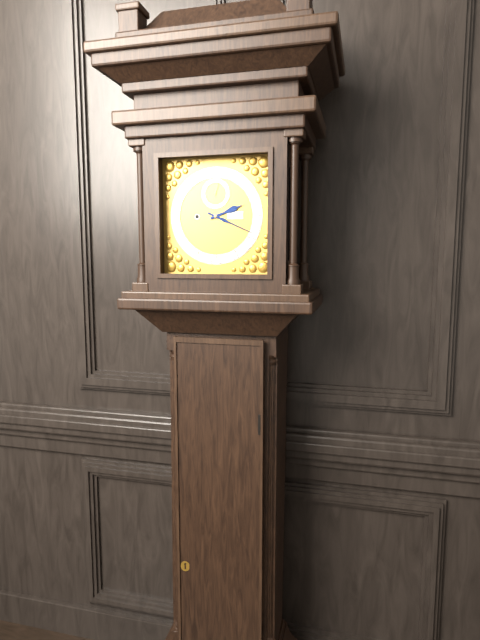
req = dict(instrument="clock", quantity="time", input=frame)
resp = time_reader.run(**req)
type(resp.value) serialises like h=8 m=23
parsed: h=2 m=19
